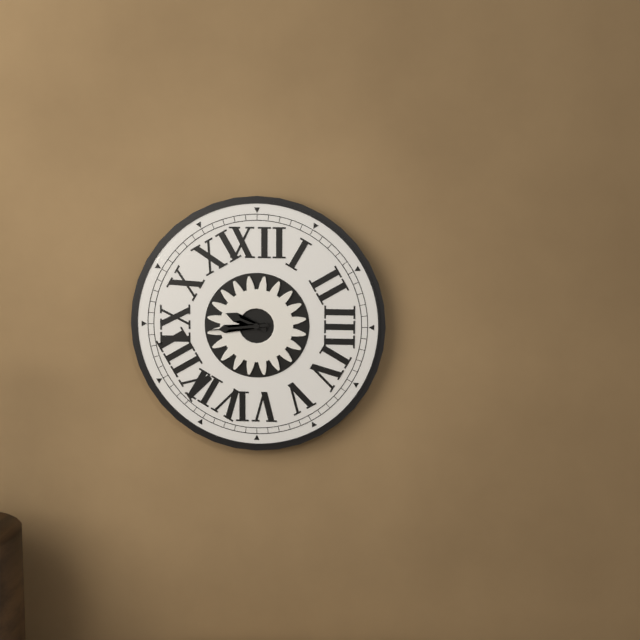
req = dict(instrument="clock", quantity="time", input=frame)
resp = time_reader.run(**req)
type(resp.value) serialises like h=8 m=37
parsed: h=9 m=44
